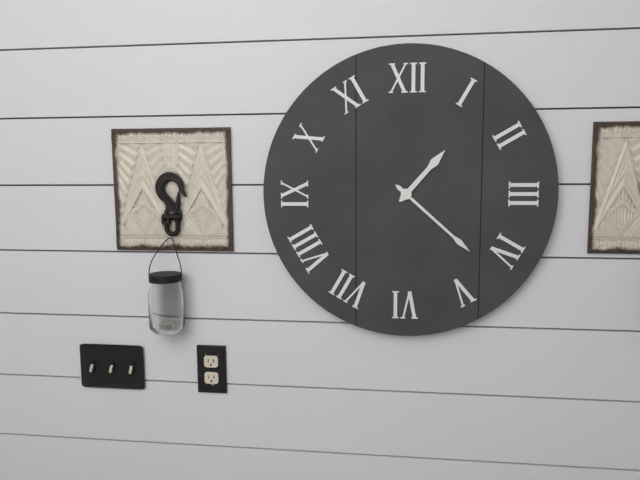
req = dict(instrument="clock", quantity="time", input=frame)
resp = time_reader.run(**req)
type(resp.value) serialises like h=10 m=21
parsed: h=1 m=22
